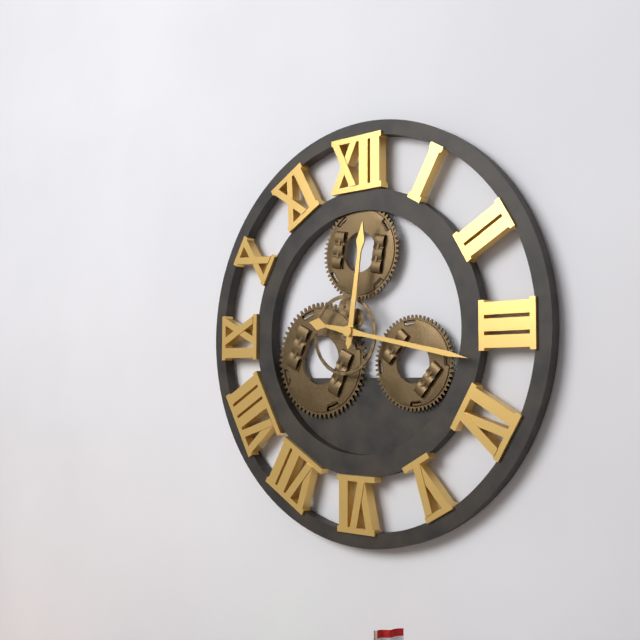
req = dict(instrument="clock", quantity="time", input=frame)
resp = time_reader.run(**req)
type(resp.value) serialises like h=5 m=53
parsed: h=12 m=17
